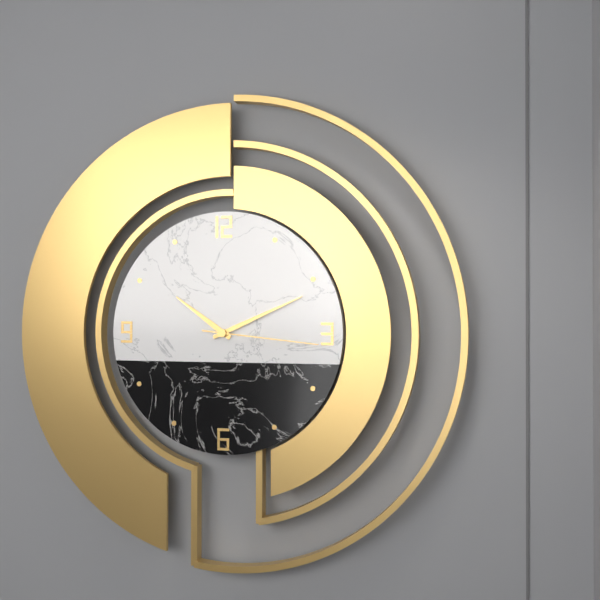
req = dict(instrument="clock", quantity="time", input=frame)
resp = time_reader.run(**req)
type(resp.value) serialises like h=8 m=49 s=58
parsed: h=10 m=11 s=16
